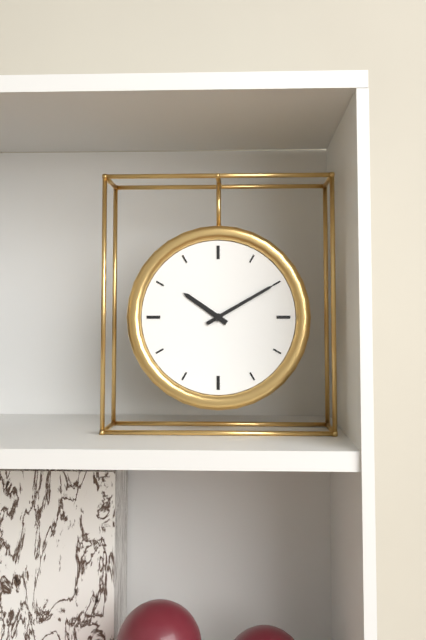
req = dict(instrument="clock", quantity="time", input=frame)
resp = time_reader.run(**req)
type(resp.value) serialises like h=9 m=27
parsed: h=10 m=10
